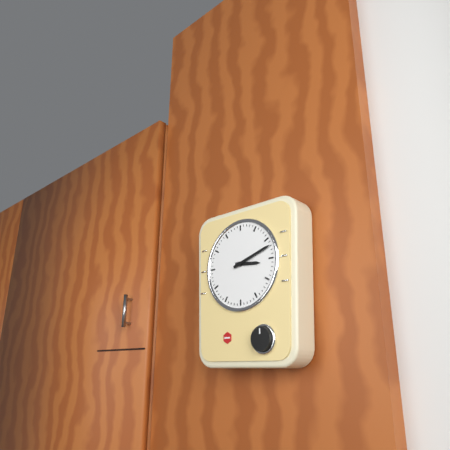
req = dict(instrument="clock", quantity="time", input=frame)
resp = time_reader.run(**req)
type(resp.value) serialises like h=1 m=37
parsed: h=3 m=12
